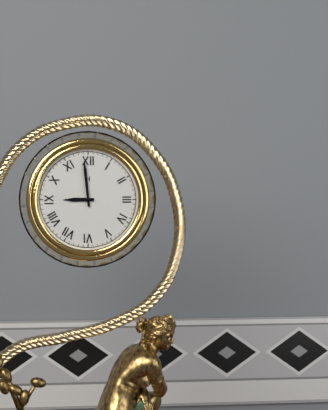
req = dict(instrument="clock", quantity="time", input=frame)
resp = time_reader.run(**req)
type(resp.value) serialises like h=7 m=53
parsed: h=8 m=59
